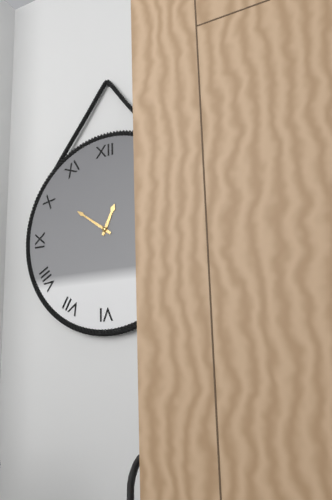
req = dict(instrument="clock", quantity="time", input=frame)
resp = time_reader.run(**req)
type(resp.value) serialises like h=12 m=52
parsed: h=12 m=51
